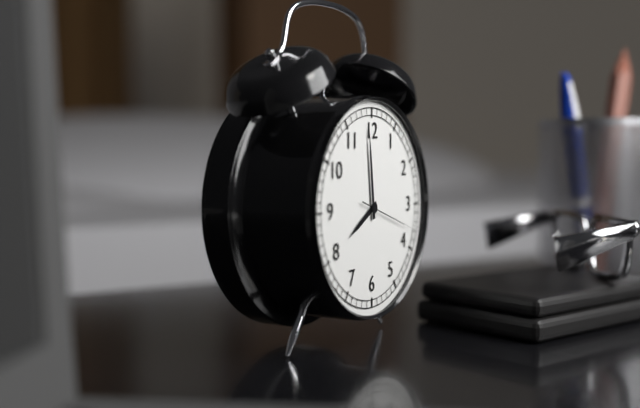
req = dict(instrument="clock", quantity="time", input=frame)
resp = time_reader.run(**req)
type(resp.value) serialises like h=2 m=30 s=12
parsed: h=7 m=59 s=18
